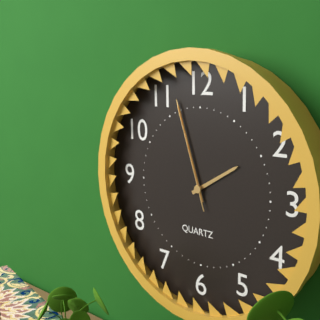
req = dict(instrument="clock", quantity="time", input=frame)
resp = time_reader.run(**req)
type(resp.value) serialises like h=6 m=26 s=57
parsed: h=1 m=57 s=57
